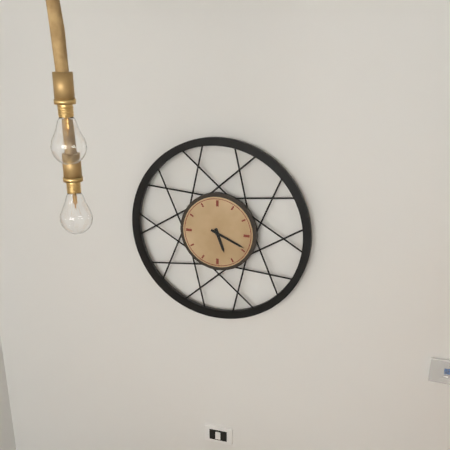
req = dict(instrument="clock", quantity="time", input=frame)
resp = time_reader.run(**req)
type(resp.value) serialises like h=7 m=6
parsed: h=5 m=19
